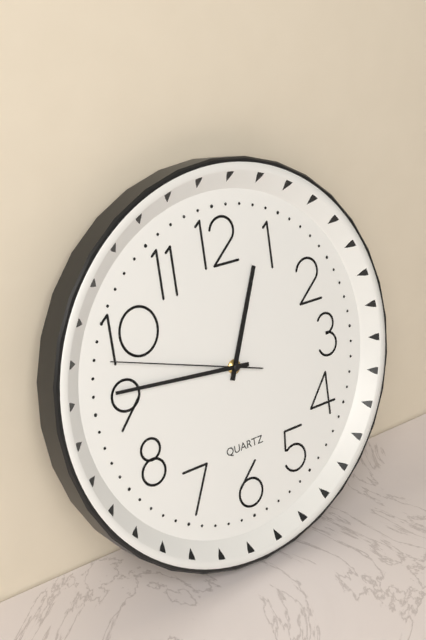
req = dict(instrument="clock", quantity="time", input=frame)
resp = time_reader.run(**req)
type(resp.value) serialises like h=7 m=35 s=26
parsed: h=12 m=46 s=48
